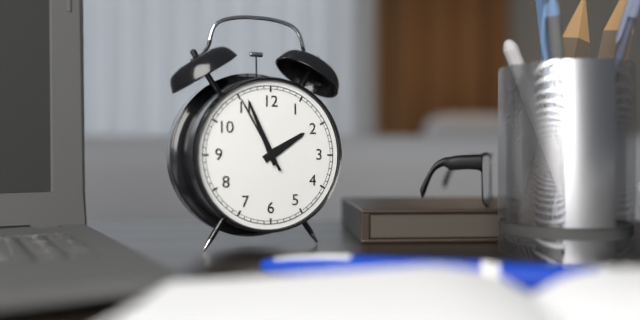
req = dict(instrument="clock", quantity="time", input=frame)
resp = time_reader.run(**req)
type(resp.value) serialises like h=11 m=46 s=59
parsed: h=1 m=56 s=55
